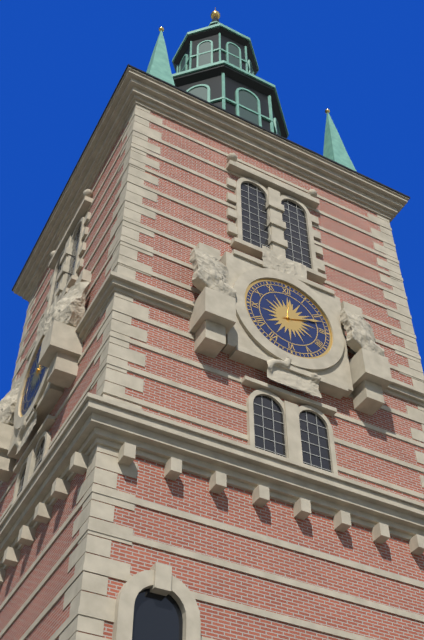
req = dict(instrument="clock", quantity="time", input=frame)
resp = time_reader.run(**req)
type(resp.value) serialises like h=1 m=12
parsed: h=12 m=12
